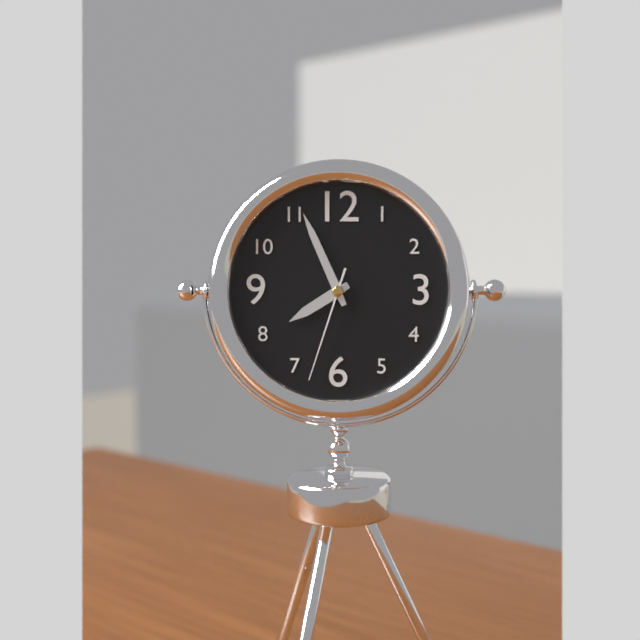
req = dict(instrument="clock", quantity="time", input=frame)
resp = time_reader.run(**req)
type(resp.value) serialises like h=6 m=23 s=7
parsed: h=7 m=56 s=33
